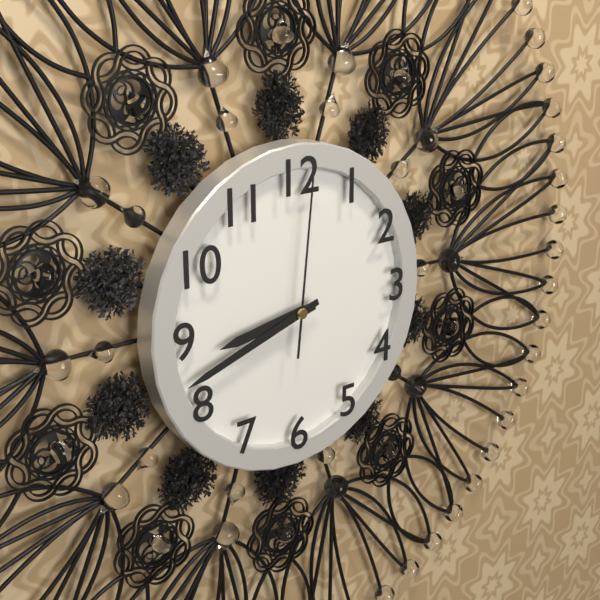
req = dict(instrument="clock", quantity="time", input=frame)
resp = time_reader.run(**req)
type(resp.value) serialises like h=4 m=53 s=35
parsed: h=8 m=42 s=1
